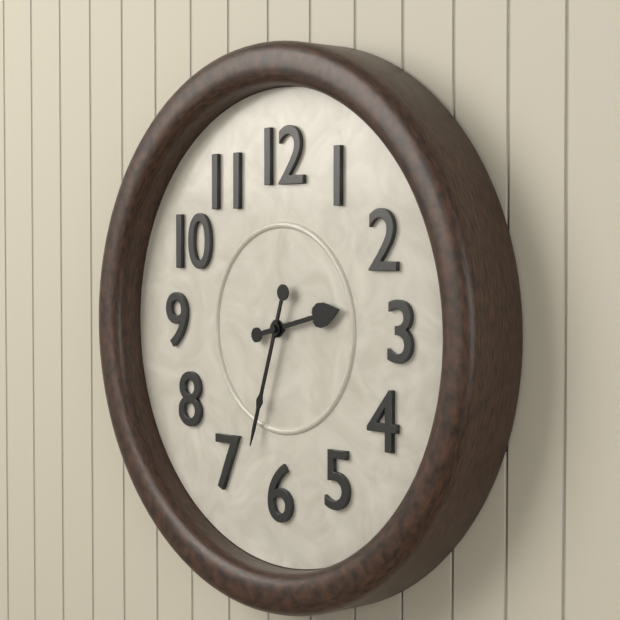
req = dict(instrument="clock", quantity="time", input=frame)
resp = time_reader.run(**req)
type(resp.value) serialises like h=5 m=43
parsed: h=2 m=33
